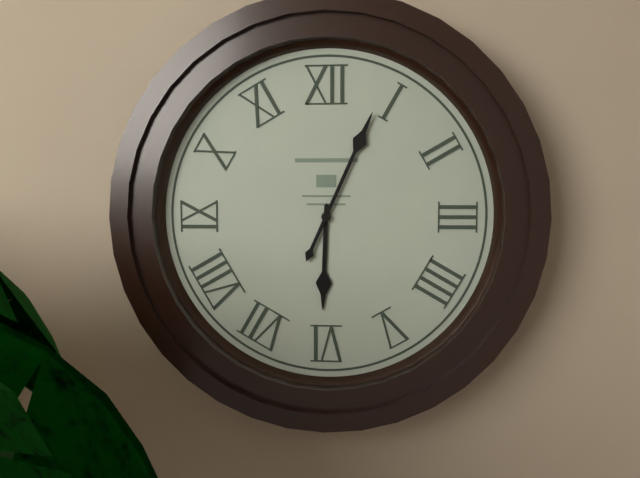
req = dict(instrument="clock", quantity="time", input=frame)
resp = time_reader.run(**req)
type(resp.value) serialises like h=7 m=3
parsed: h=6 m=4
